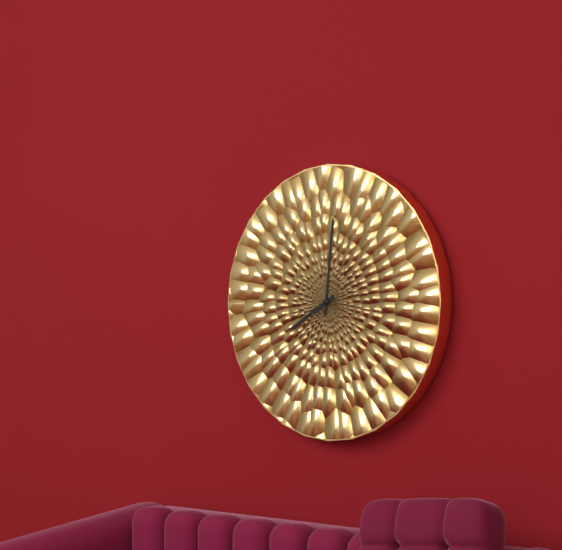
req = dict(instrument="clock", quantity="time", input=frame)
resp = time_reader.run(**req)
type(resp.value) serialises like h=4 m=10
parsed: h=8 m=1
